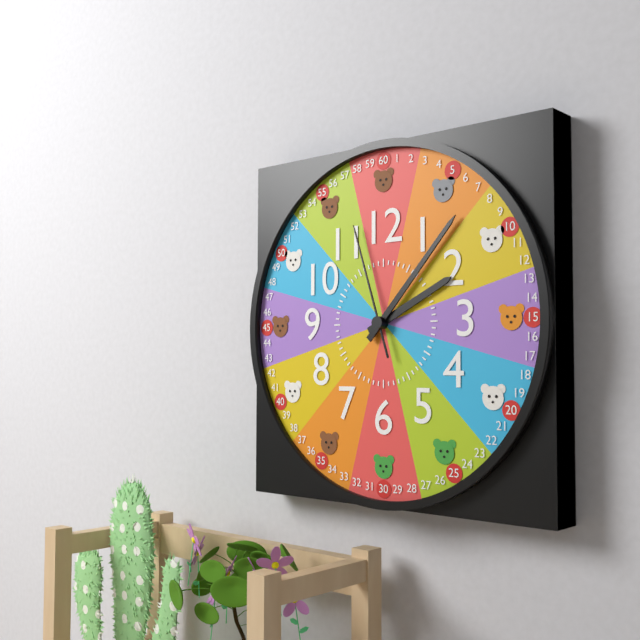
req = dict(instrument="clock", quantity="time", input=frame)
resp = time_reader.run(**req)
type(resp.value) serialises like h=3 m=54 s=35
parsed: h=2 m=7 s=57
